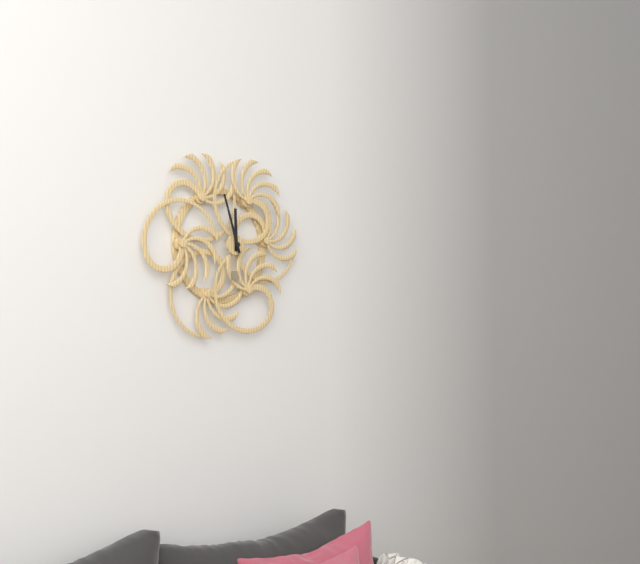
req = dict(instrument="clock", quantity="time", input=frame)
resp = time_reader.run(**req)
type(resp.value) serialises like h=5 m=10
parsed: h=11 m=57
